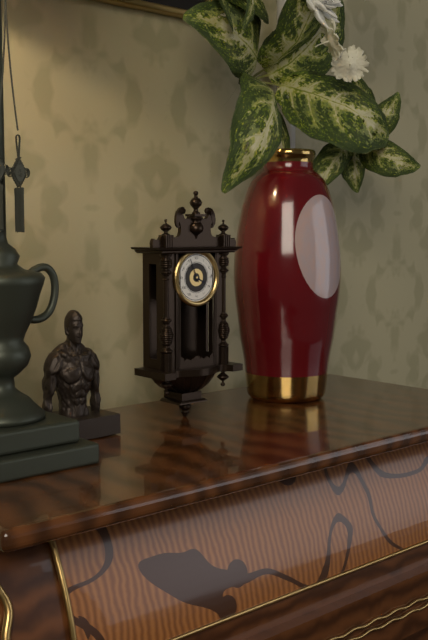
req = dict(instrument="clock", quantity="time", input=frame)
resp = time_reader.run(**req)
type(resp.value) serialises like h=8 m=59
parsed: h=3 m=56
